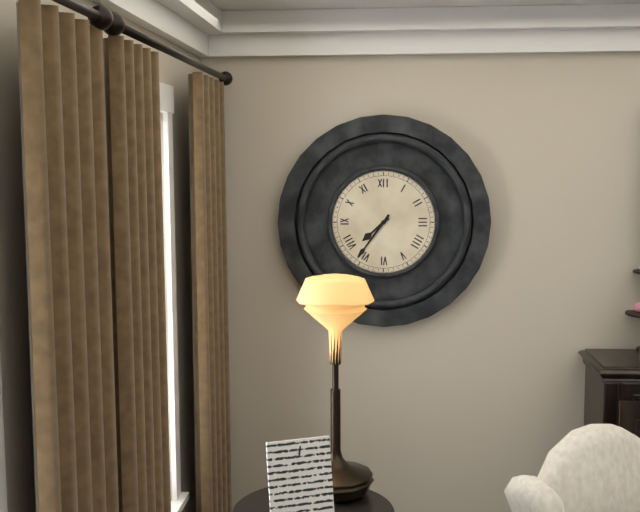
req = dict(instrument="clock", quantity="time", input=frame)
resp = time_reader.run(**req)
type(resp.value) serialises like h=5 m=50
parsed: h=7 m=36
